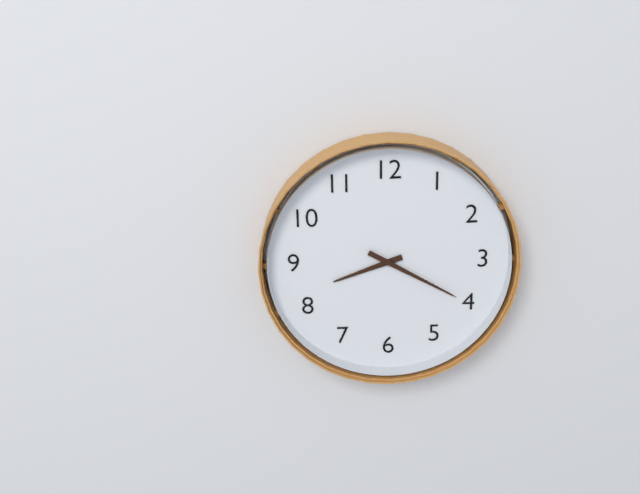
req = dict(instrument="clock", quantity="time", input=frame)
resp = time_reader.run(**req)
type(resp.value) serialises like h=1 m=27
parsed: h=8 m=20
